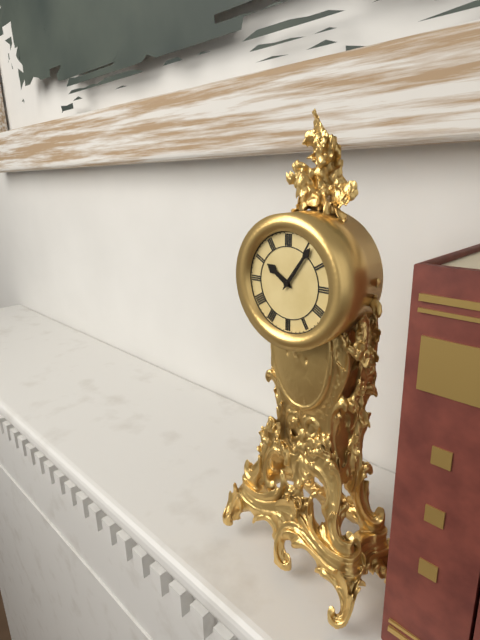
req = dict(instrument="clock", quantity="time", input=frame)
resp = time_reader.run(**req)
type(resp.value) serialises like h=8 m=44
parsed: h=10 m=6
